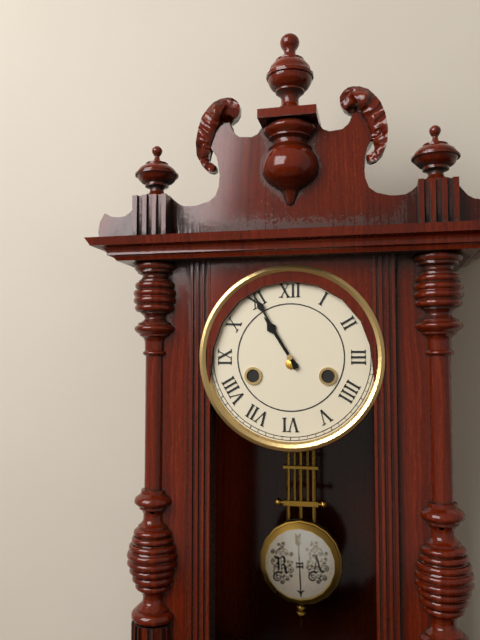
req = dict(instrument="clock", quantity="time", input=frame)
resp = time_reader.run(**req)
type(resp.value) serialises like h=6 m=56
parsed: h=10 m=55
